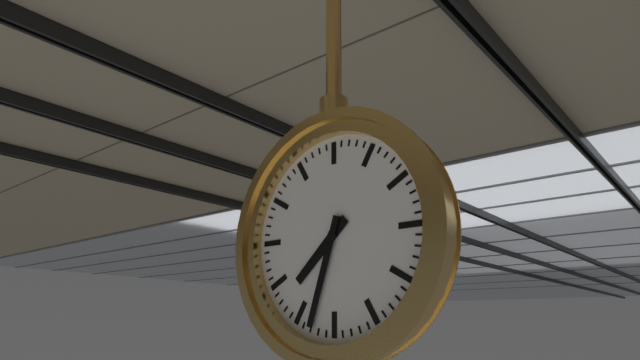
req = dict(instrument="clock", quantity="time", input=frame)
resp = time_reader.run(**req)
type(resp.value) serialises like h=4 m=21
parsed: h=7 m=33
